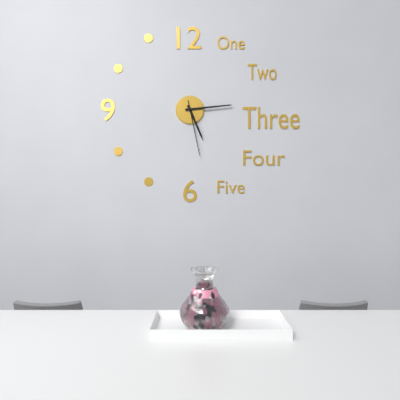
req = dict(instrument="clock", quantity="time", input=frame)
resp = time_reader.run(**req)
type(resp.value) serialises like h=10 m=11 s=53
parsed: h=5 m=14 s=28
